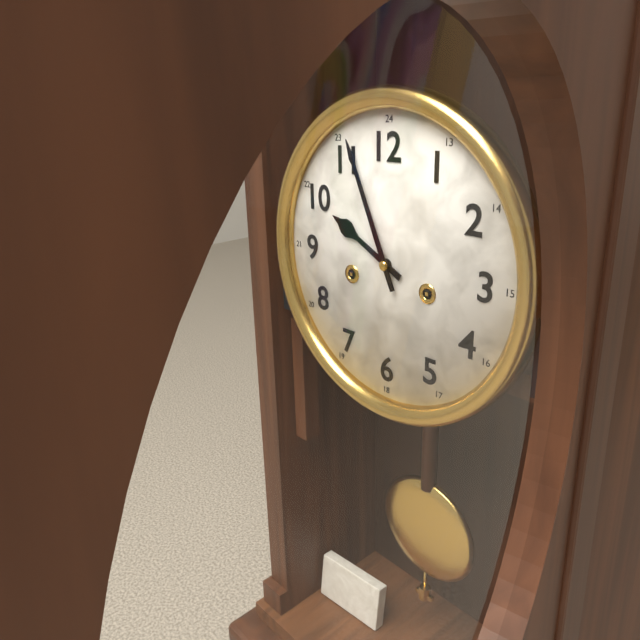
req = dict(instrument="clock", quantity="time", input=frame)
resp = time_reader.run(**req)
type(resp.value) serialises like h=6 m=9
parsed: h=9 m=56
